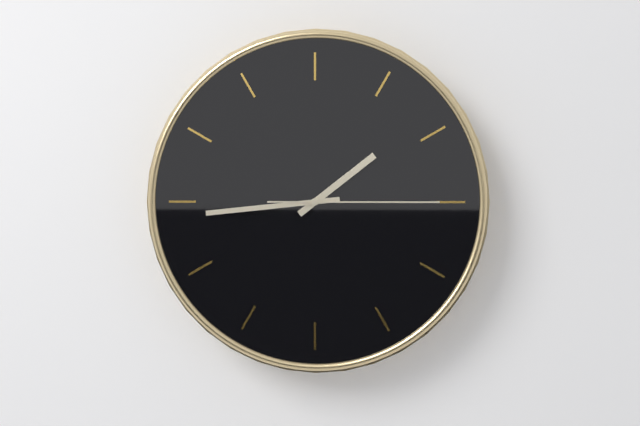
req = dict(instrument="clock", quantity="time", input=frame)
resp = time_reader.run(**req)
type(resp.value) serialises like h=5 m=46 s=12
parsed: h=1 m=44 s=15
